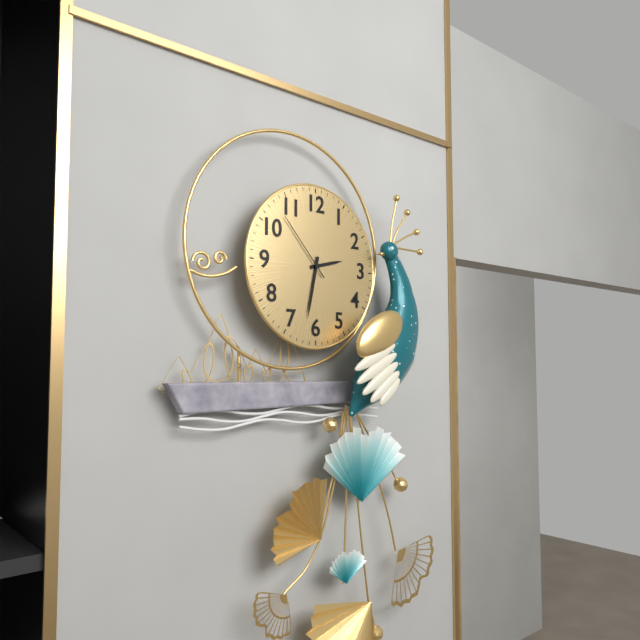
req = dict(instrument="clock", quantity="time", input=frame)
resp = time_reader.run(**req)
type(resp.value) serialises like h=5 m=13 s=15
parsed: h=2 m=32 s=53
